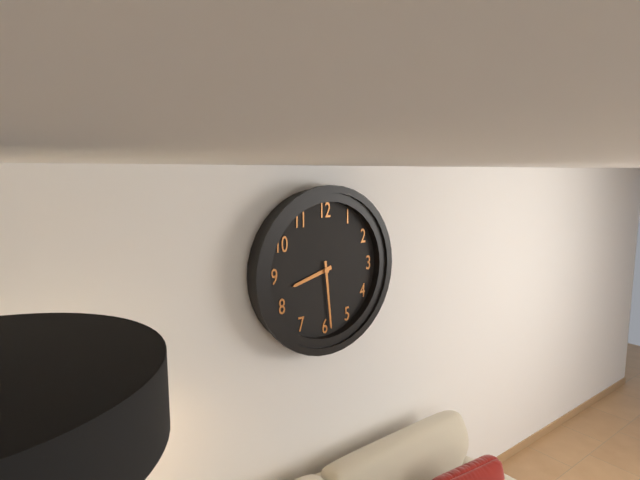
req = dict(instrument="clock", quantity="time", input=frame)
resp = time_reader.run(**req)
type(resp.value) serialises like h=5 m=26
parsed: h=8 m=29
